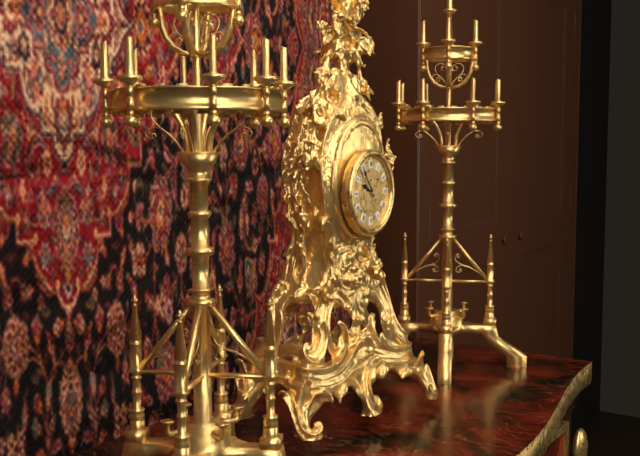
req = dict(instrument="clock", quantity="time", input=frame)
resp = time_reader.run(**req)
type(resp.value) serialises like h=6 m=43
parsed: h=9 m=54
